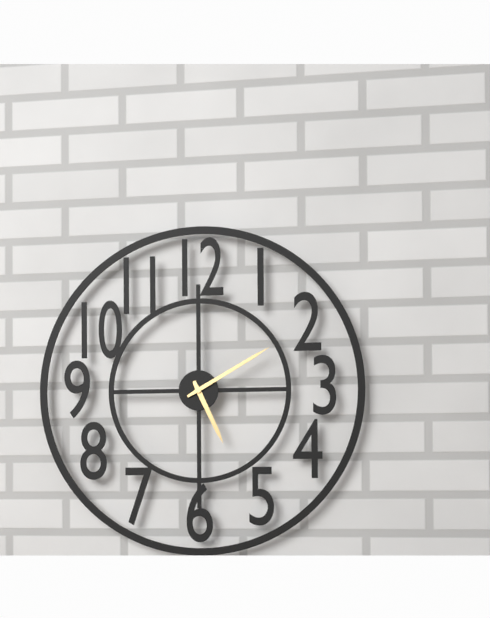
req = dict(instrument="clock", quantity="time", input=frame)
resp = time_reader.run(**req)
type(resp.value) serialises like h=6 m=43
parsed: h=5 m=10
